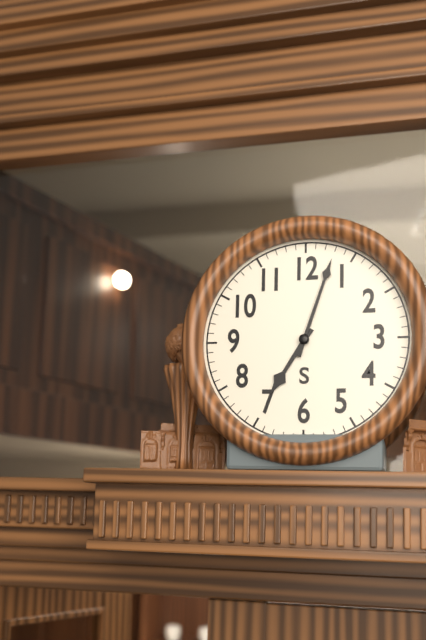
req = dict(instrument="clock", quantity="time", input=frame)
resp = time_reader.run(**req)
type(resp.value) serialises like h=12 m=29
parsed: h=7 m=3
